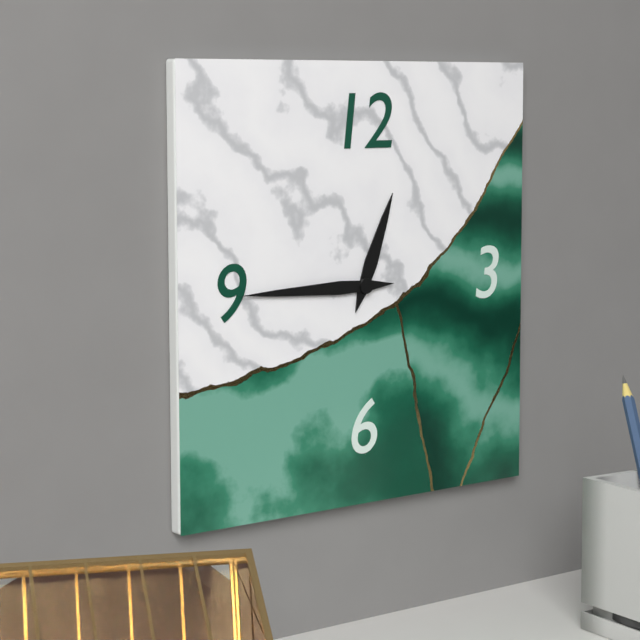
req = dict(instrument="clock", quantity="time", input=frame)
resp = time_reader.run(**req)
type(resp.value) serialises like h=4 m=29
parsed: h=12 m=45
